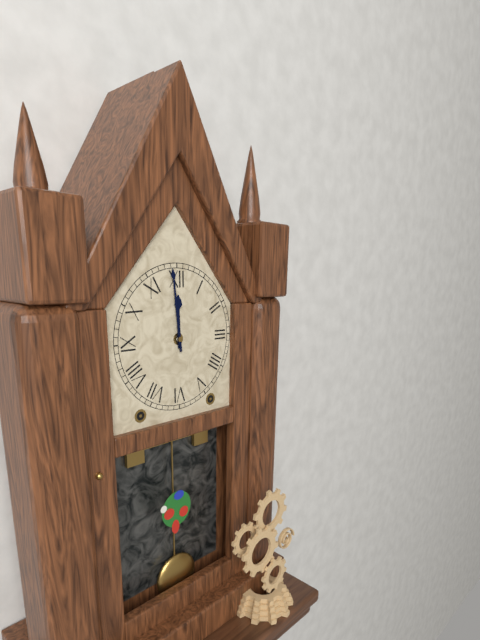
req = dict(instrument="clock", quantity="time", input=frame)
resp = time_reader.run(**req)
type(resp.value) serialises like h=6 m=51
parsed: h=11 m=59
